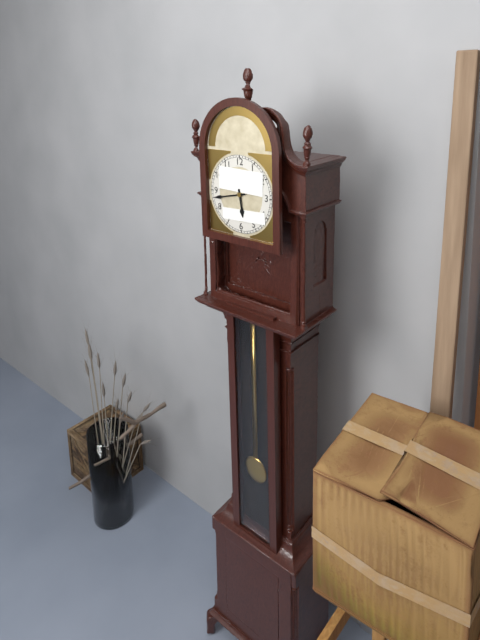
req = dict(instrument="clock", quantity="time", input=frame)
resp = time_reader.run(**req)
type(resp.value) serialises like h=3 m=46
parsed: h=5 m=43
